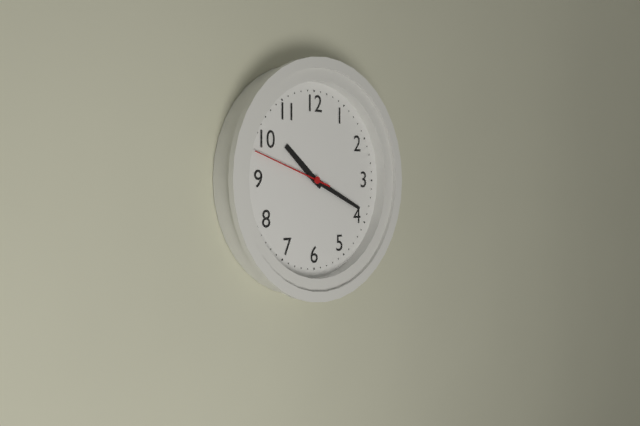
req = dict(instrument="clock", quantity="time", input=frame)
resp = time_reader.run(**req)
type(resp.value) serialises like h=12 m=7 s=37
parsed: h=10 m=19 s=48
